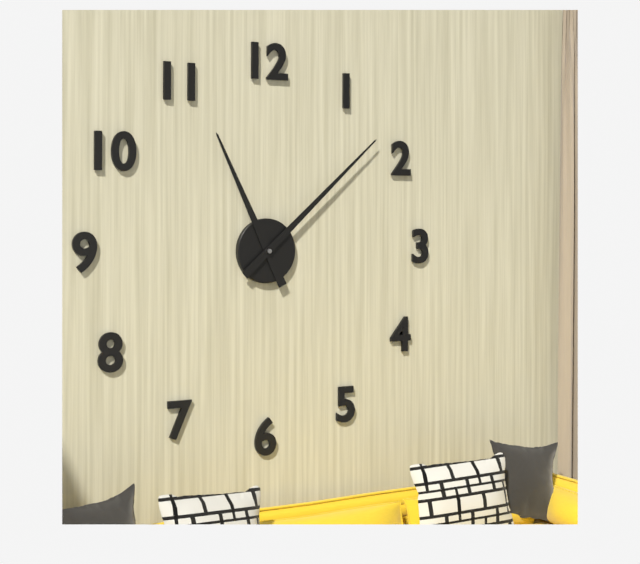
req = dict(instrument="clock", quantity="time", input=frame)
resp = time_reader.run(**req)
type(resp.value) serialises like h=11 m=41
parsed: h=11 m=8
